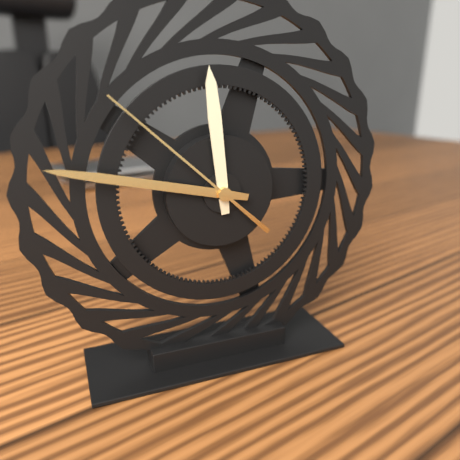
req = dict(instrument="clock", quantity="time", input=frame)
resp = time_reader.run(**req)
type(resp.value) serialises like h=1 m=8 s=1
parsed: h=11 m=47 s=52
